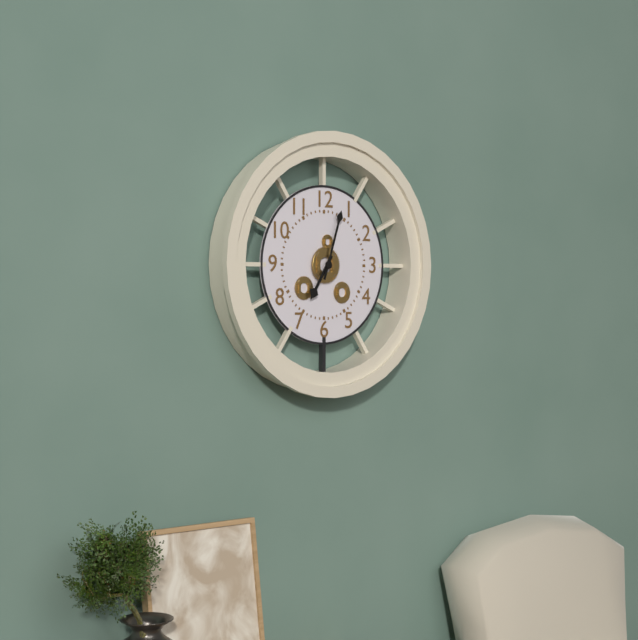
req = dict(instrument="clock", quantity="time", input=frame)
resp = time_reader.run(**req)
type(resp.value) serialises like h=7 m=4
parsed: h=7 m=3
